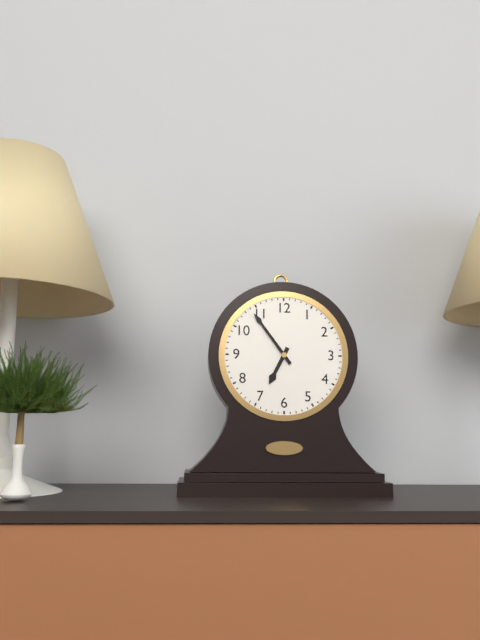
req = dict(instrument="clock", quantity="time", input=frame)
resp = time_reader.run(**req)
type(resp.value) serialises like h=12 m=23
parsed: h=6 m=54
